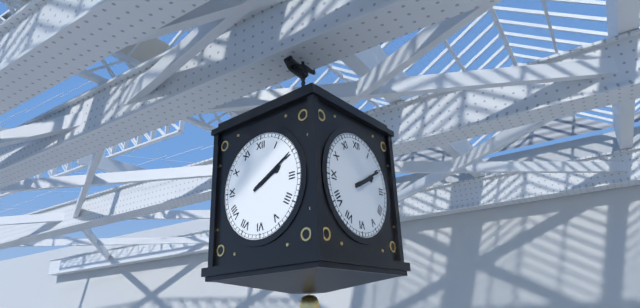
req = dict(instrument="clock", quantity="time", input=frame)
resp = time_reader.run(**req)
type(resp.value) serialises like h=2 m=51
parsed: h=2 m=10
